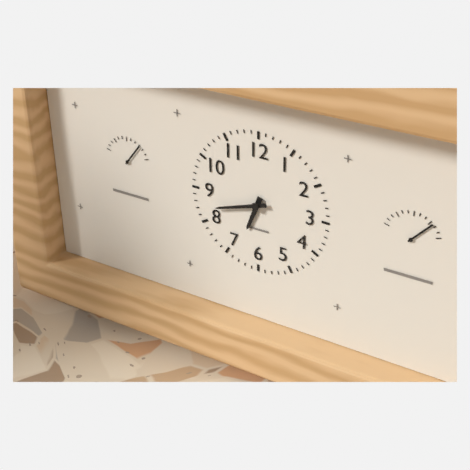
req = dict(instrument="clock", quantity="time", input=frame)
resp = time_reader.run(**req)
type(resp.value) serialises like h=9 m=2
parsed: h=6 m=42
